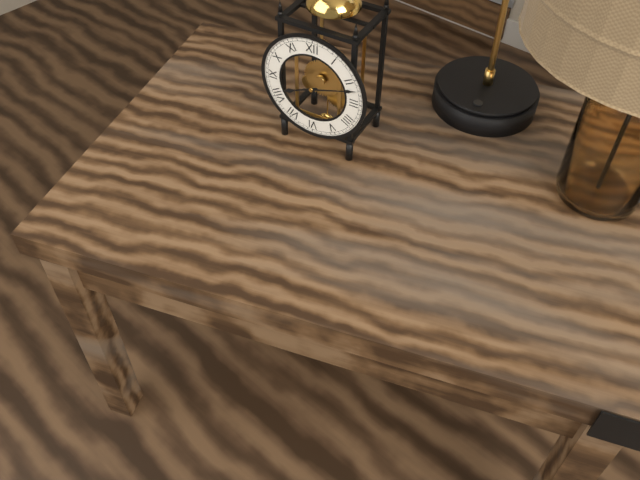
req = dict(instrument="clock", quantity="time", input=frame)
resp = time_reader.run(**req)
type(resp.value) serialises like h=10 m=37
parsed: h=8 m=12
